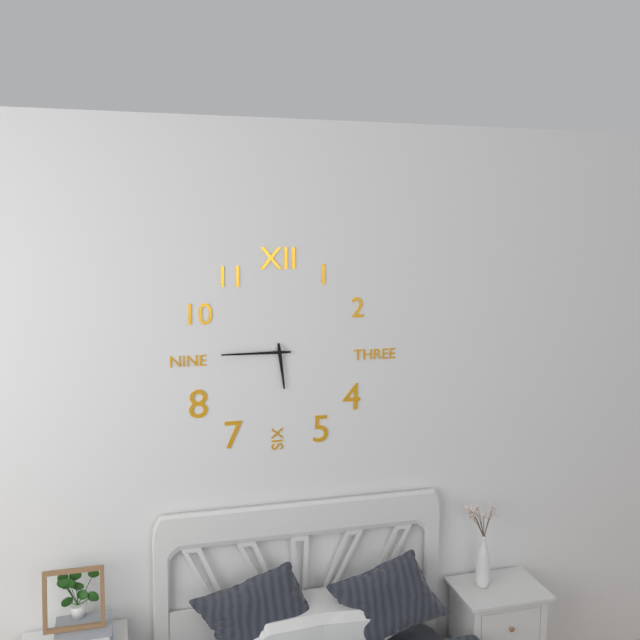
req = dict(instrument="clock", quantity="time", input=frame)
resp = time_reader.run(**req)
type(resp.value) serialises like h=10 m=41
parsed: h=5 m=45
